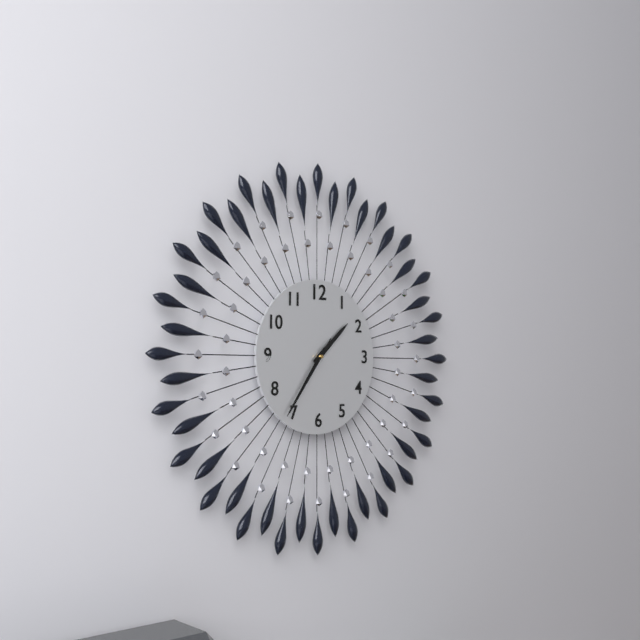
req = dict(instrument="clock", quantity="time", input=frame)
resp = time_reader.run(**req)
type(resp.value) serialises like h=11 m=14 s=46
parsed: h=1 m=36 s=36
